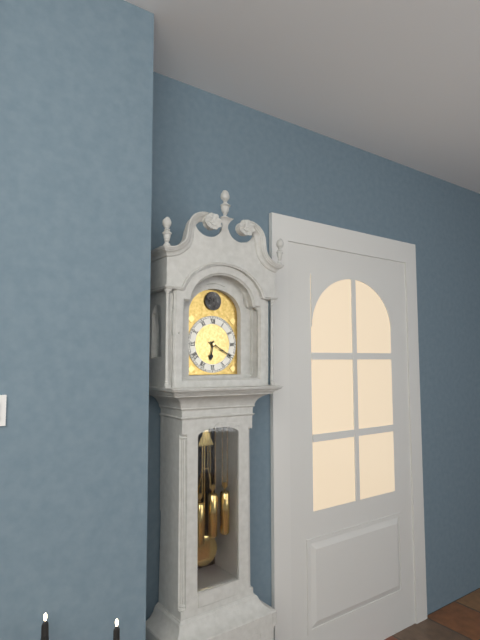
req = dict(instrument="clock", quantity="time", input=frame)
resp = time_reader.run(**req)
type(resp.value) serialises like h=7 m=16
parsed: h=6 m=20
